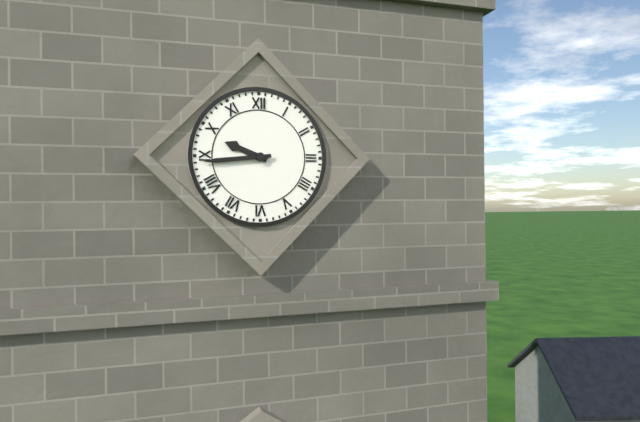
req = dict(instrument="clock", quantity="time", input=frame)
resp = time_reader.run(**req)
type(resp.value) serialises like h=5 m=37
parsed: h=9 m=44
